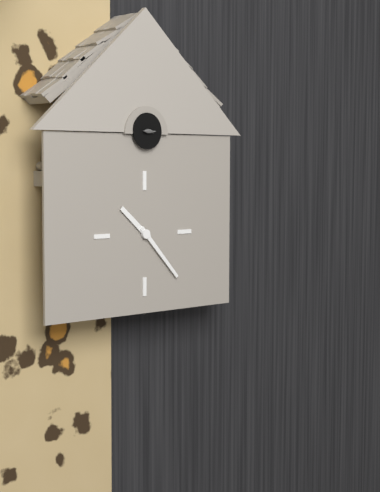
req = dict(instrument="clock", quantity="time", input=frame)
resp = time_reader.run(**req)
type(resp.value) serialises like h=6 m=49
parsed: h=10 m=23
